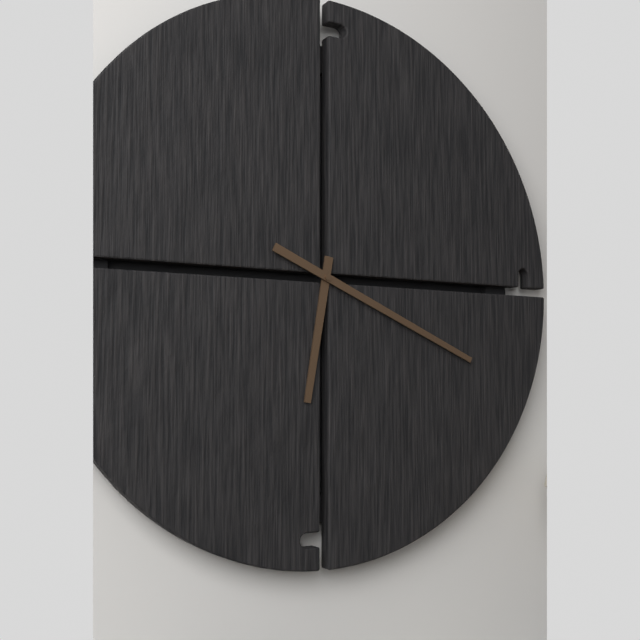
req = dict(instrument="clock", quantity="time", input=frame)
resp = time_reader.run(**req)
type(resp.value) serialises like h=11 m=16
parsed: h=6 m=19
